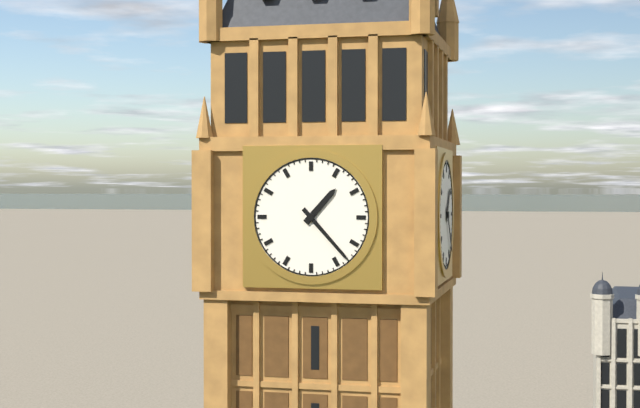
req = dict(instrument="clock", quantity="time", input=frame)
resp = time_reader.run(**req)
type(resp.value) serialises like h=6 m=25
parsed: h=1 m=23
